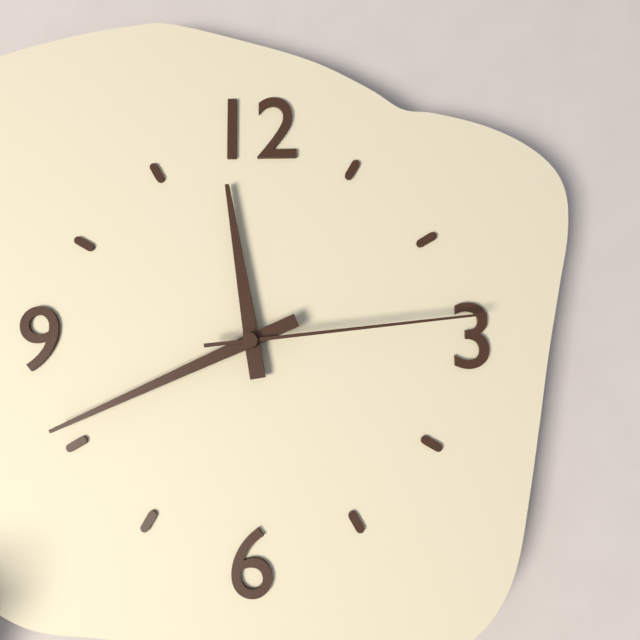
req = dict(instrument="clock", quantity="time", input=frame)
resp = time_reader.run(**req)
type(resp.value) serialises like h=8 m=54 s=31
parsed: h=11 m=41 s=14
